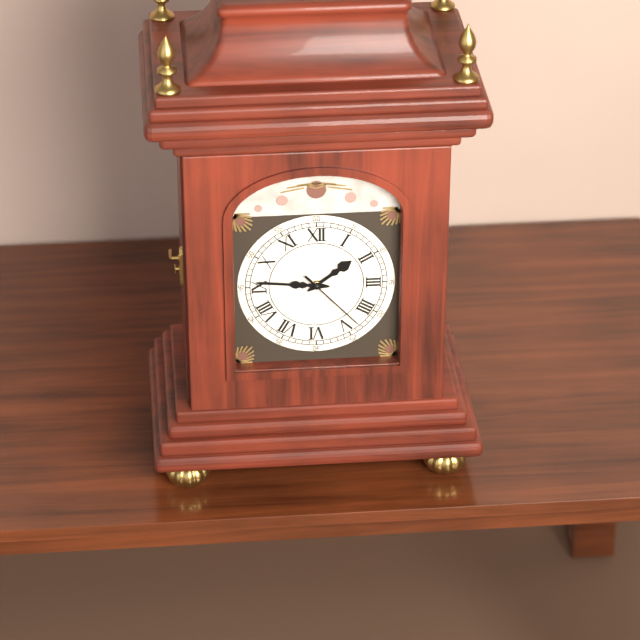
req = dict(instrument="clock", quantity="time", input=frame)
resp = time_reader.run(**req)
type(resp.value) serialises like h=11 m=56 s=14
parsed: h=1 m=46 s=23
